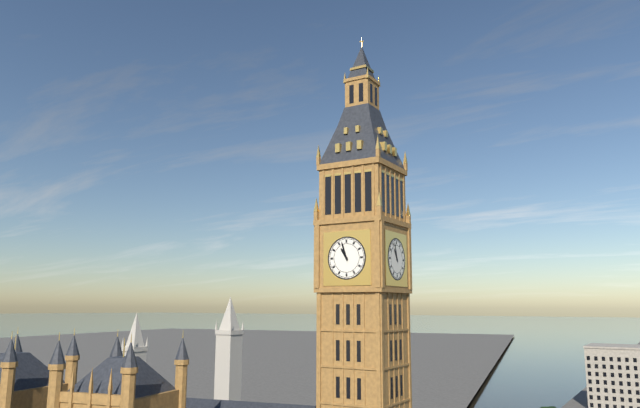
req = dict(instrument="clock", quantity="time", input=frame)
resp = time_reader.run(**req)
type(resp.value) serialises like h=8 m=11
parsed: h=10 m=57
